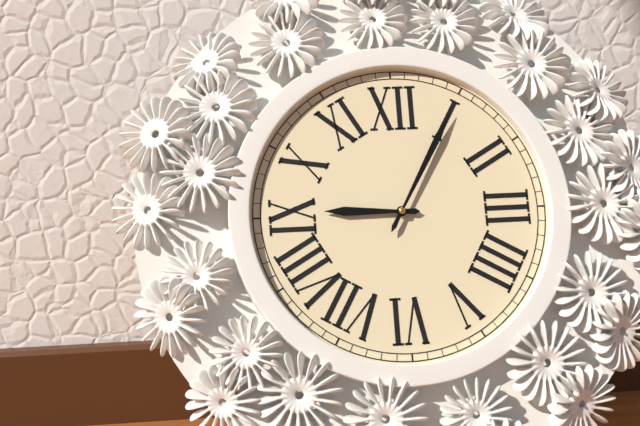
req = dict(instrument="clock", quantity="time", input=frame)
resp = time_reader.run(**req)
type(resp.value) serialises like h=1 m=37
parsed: h=9 m=5
